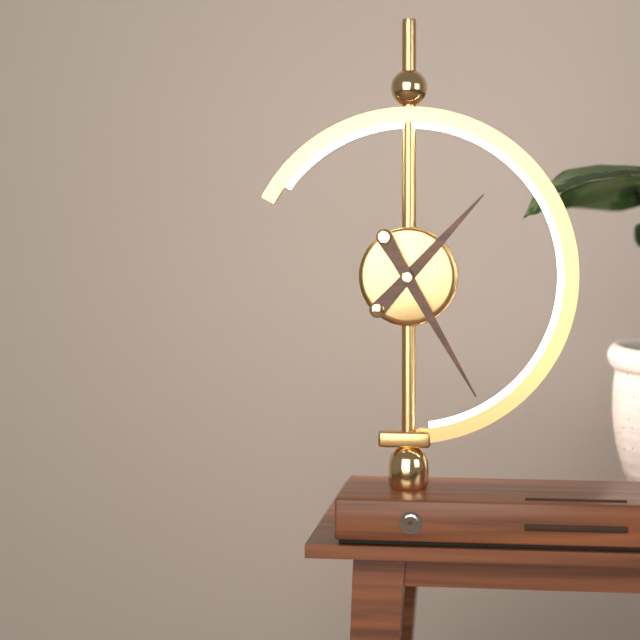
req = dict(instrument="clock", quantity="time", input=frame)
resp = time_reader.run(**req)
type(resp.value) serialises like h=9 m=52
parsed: h=1 m=25
